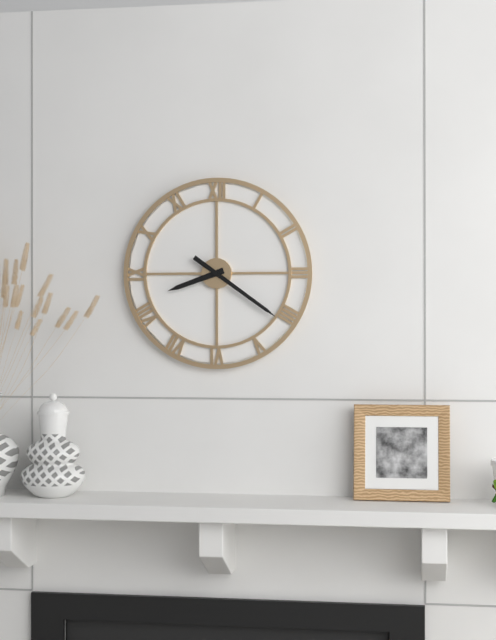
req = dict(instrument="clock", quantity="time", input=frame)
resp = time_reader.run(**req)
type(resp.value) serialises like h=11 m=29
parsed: h=8 m=21
